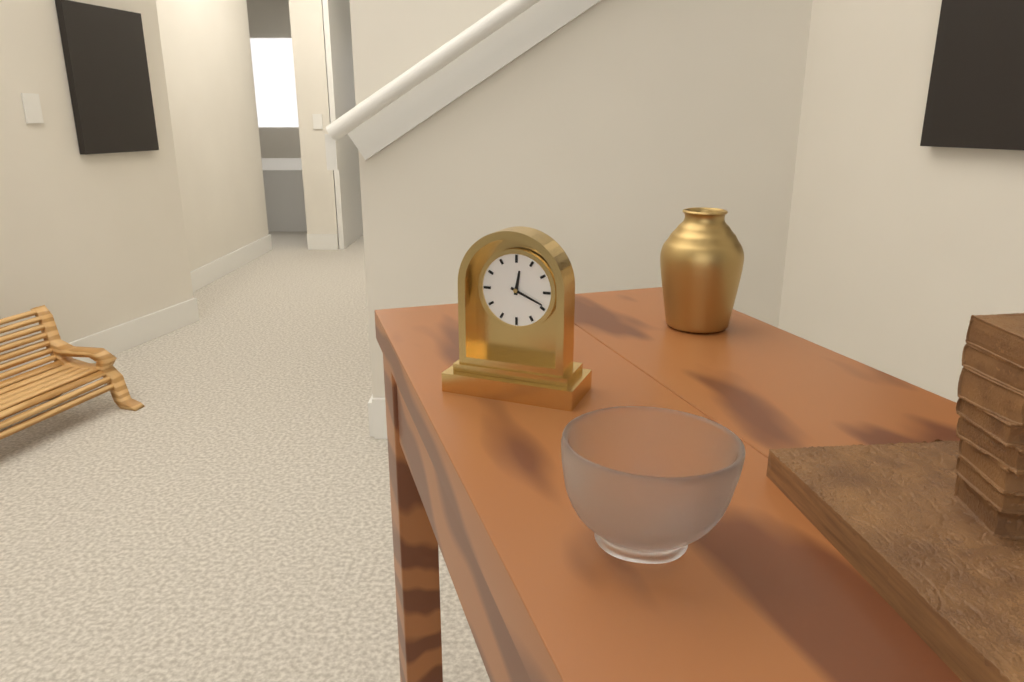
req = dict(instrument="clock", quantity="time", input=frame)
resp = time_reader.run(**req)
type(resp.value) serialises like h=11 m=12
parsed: h=12 m=19
